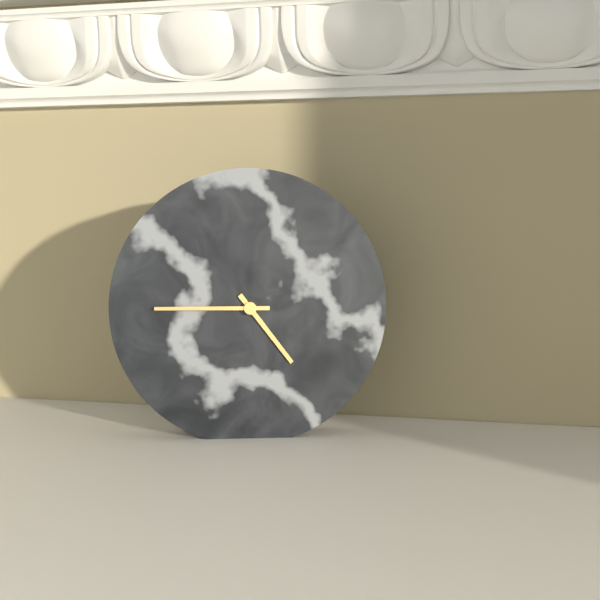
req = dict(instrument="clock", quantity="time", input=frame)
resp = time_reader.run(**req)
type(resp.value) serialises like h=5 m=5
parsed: h=4 m=45
